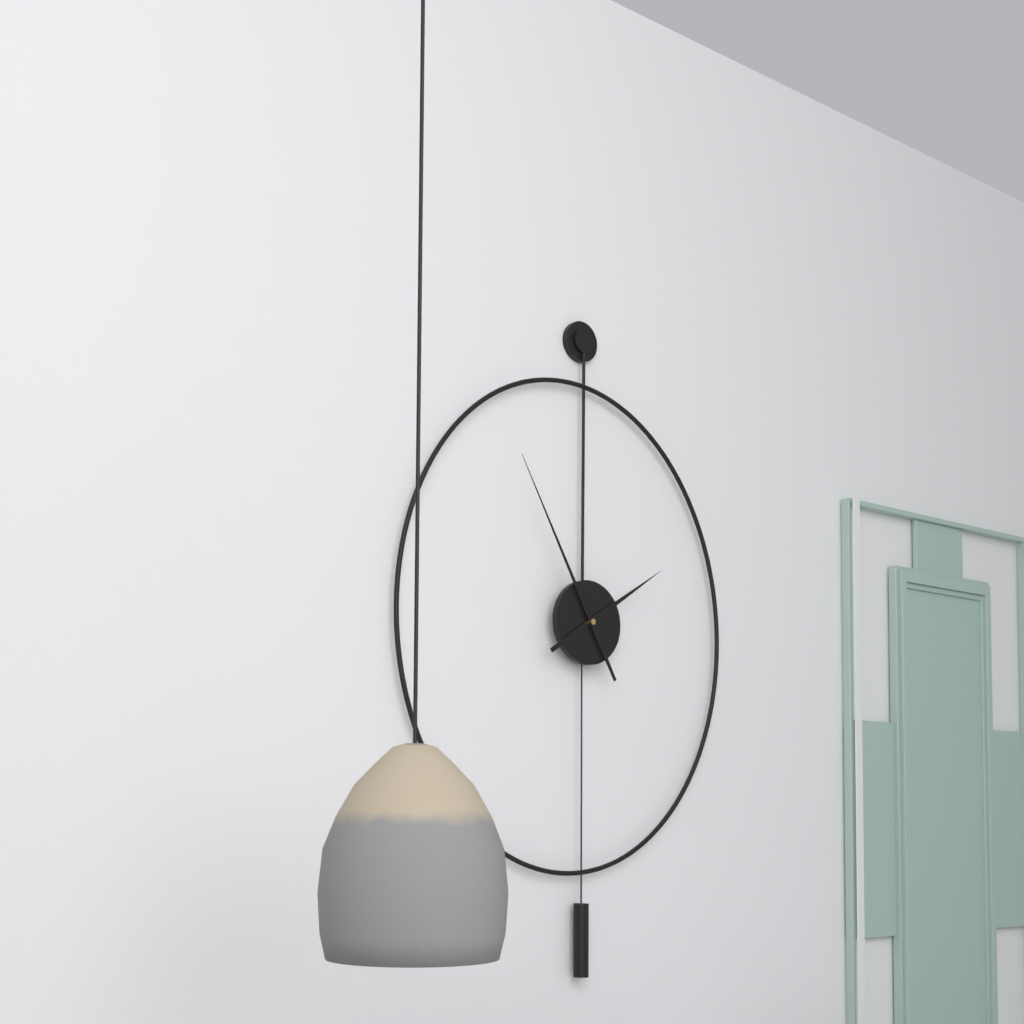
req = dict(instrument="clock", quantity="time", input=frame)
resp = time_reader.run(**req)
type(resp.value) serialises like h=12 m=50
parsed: h=1 m=55
